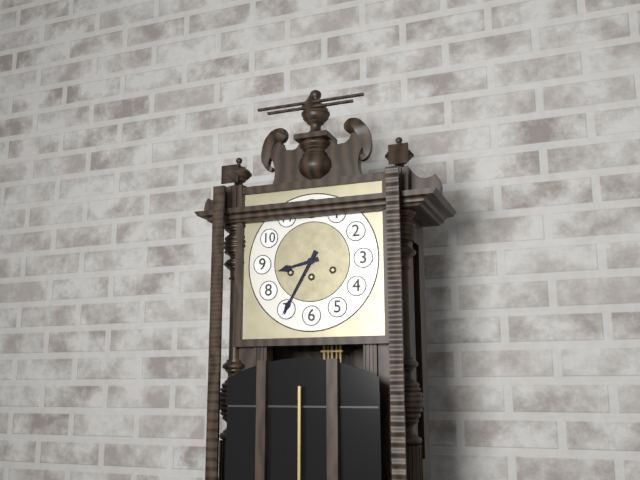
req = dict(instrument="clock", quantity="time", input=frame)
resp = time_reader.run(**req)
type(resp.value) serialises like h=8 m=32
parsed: h=8 m=35
